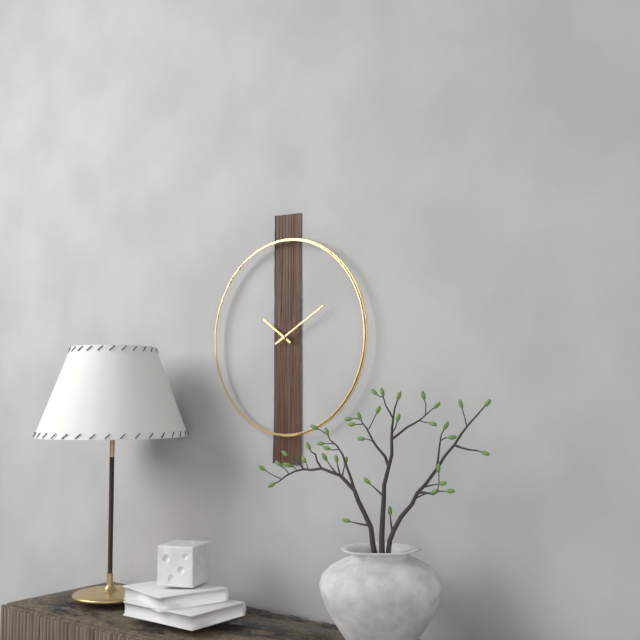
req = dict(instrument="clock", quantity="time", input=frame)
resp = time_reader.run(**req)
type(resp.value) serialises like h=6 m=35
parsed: h=10 m=10
